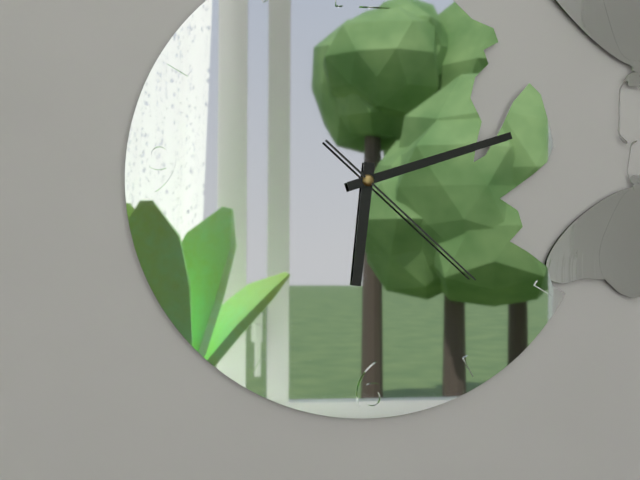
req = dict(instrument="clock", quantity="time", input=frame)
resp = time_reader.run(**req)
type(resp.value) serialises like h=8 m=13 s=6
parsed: h=6 m=12 s=22
